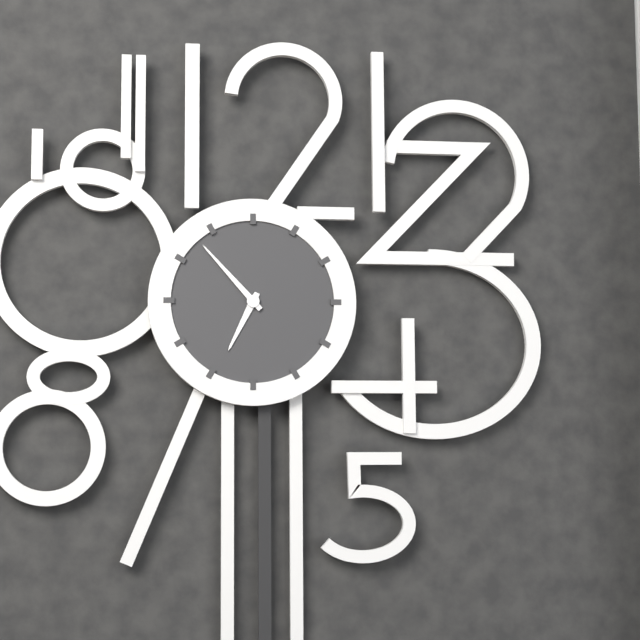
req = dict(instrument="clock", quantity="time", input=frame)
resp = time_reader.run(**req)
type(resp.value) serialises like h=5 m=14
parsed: h=6 m=53
